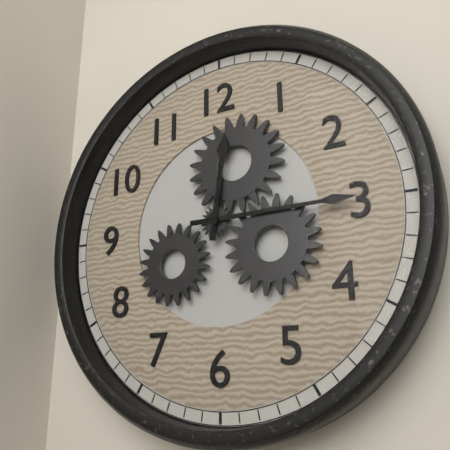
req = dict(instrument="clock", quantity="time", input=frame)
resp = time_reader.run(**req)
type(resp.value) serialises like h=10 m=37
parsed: h=12 m=15
